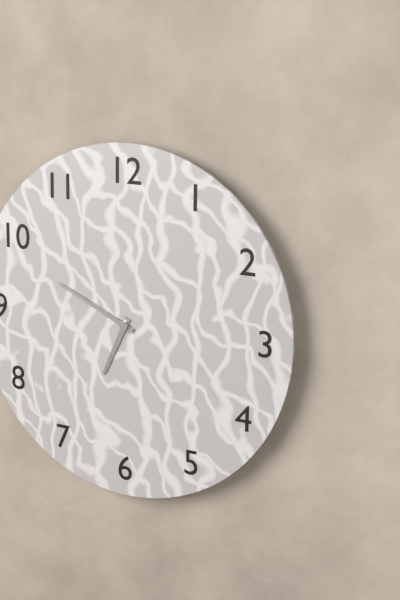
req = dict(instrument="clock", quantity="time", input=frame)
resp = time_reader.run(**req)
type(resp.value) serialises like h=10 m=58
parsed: h=6 m=49
